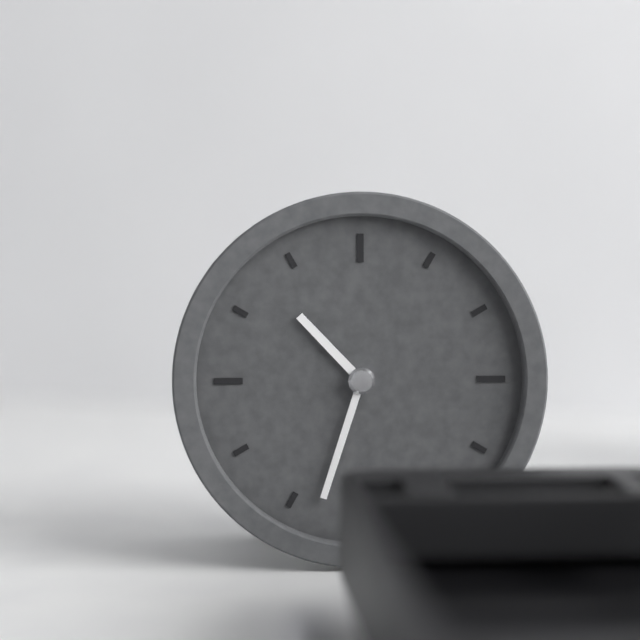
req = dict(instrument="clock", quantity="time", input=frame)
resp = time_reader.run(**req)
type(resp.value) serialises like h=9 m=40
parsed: h=10 m=33
